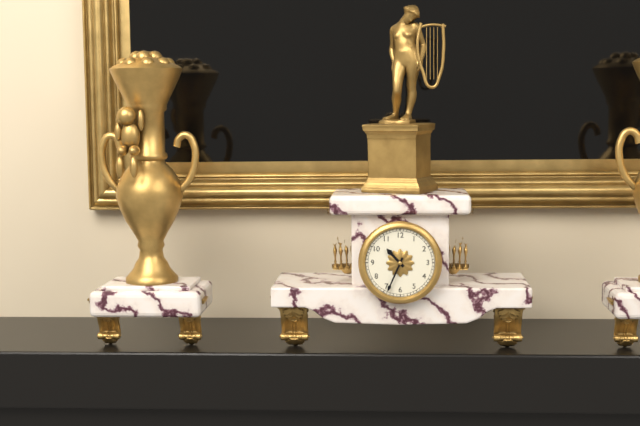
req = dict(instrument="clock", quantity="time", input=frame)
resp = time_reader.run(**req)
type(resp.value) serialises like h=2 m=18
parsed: h=10 m=34
